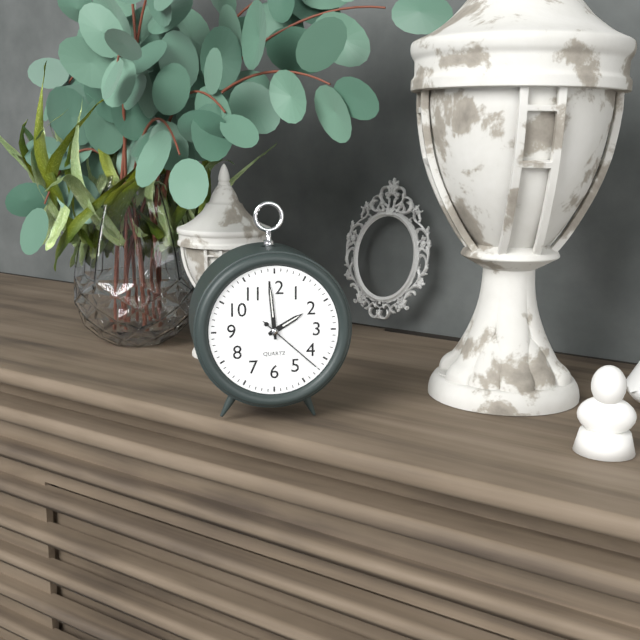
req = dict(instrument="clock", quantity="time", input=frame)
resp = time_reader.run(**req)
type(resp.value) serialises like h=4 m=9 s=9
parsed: h=1 m=59 s=22
